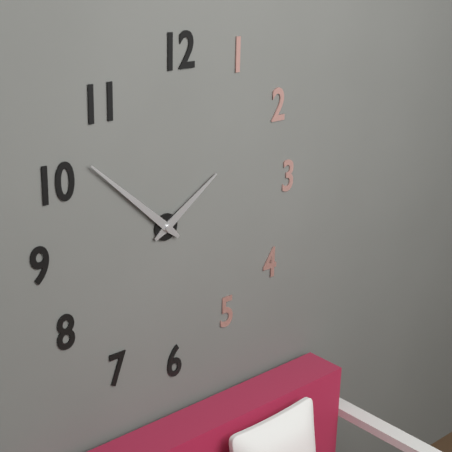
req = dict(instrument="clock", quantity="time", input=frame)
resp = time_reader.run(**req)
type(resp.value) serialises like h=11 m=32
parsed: h=1 m=52
